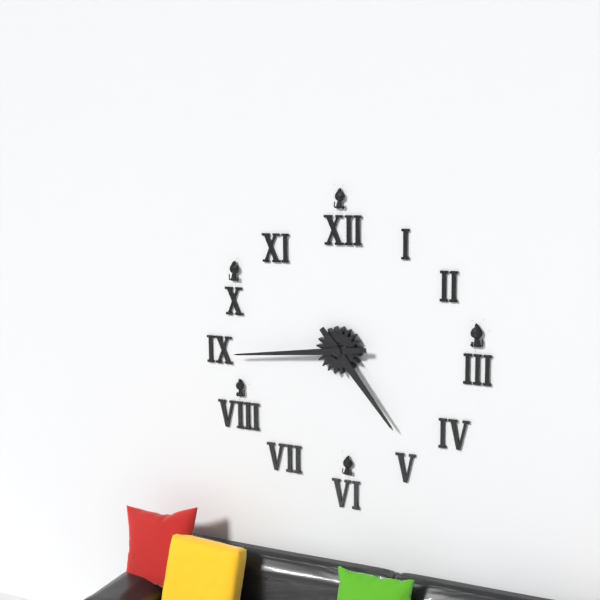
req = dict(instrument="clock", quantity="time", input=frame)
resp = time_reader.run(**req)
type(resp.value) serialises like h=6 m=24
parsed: h=4 m=44
